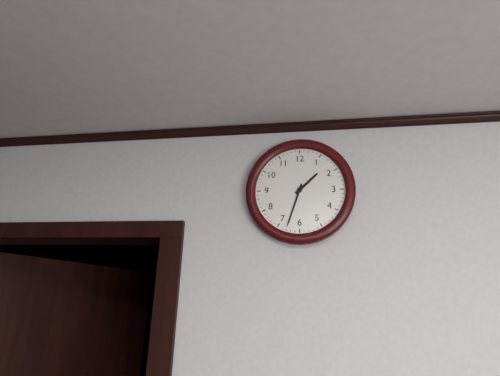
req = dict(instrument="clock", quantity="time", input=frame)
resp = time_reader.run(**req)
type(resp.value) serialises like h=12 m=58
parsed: h=1 m=33
